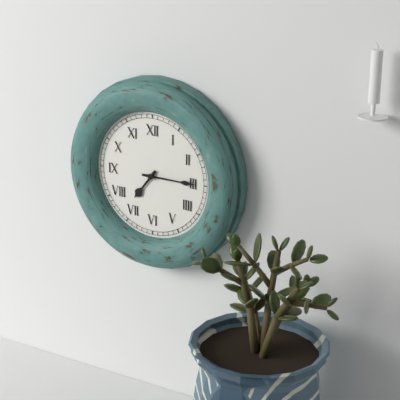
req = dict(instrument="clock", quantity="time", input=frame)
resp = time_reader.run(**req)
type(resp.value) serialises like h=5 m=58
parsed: h=7 m=15
